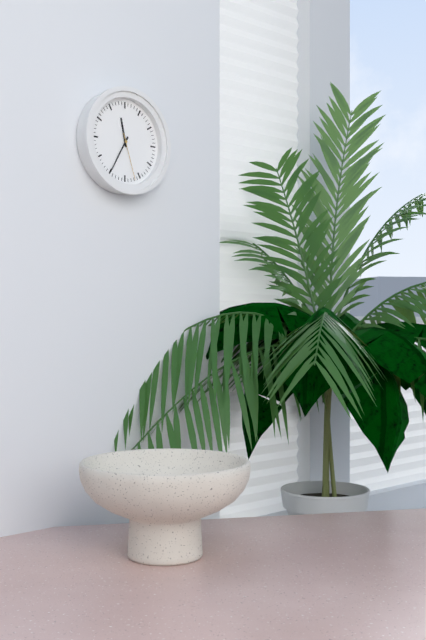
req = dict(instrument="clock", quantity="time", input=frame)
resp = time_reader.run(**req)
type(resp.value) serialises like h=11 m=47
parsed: h=11 m=35
